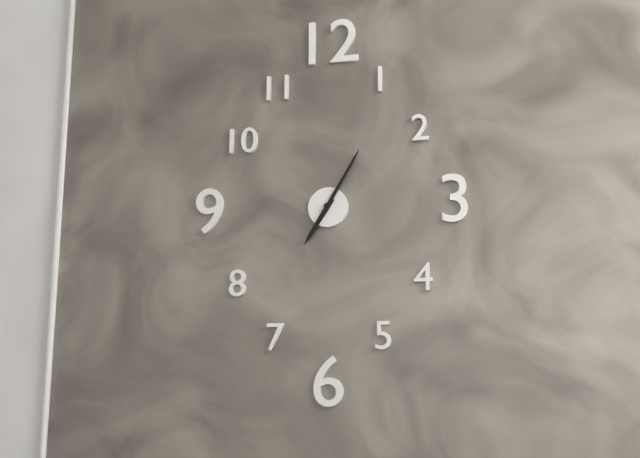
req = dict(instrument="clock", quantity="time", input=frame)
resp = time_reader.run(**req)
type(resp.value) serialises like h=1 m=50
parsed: h=7 m=5
